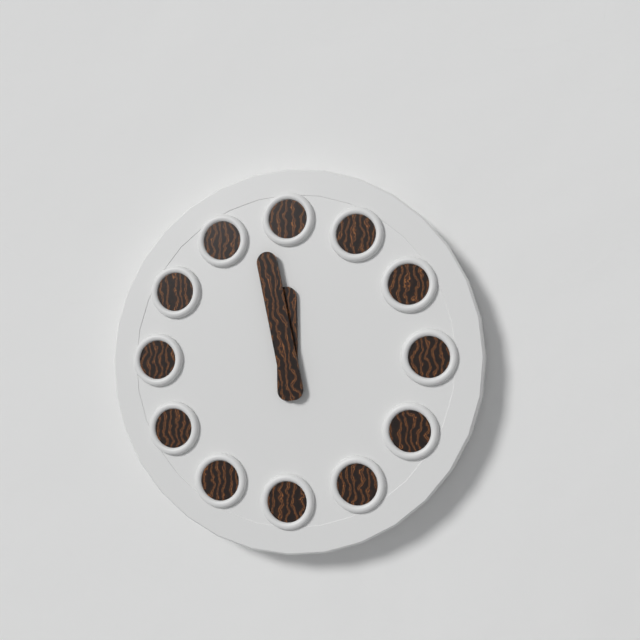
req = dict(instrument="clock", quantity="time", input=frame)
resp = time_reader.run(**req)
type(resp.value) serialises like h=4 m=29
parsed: h=11 m=58
